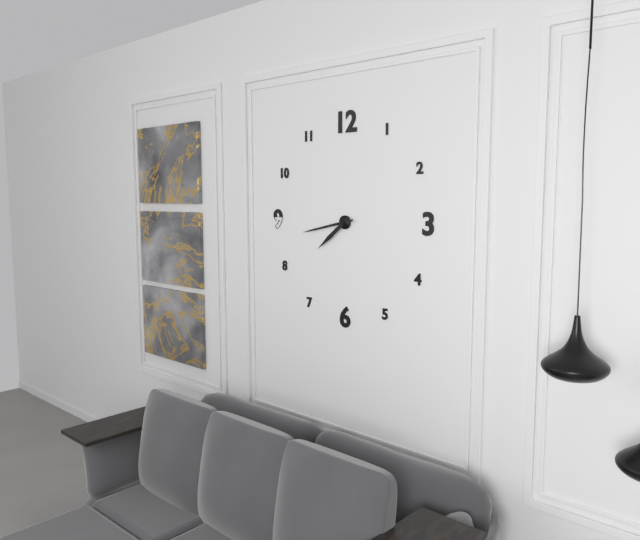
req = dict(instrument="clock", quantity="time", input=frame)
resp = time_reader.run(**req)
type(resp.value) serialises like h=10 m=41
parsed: h=7 m=43
